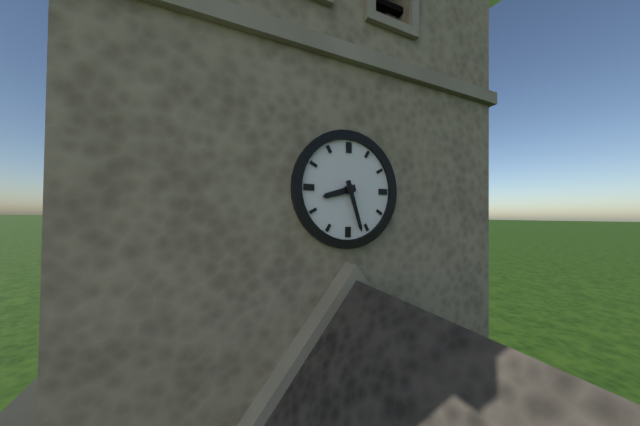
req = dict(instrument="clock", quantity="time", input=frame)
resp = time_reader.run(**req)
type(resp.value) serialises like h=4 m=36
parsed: h=8 m=27
